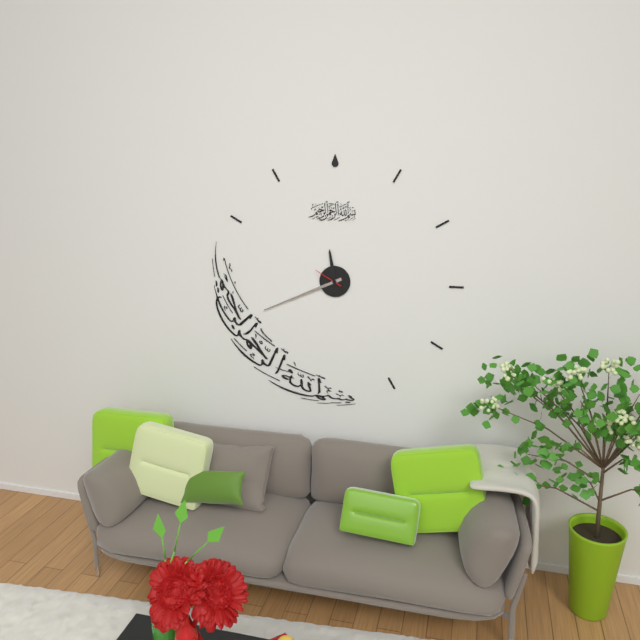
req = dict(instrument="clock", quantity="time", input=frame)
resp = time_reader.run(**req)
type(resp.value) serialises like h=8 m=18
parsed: h=11 m=41
